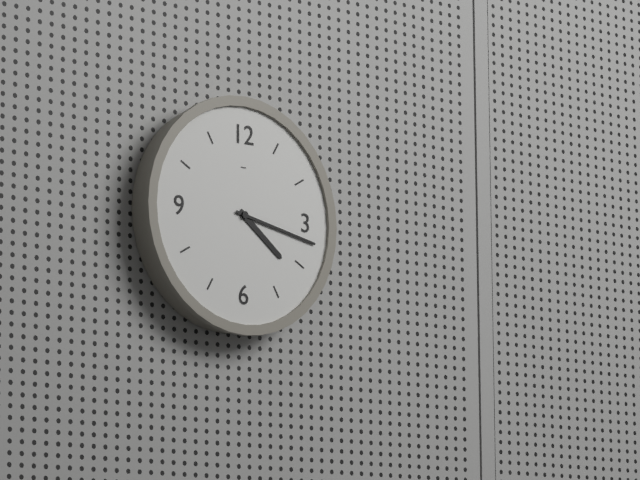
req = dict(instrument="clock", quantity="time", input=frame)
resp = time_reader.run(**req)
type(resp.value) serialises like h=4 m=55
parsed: h=4 m=17
